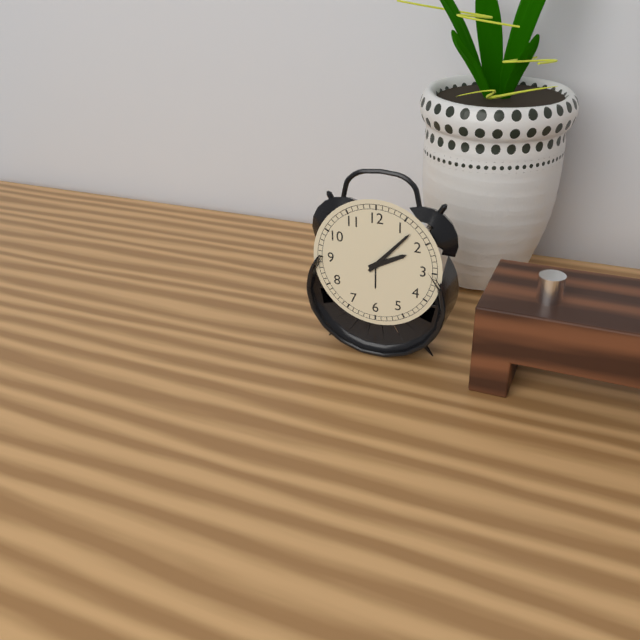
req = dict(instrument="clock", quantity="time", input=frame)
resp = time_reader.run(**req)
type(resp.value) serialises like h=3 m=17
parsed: h=2 m=7
